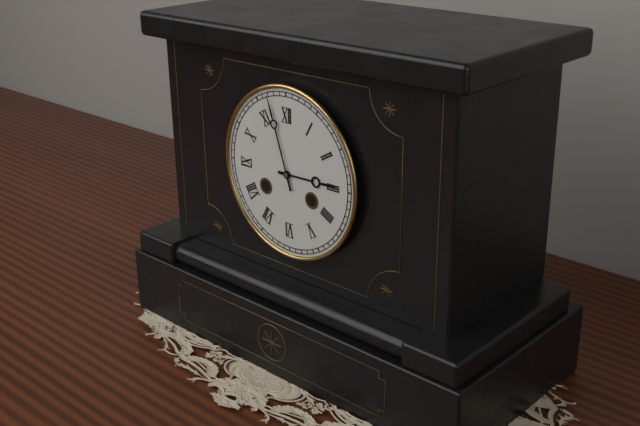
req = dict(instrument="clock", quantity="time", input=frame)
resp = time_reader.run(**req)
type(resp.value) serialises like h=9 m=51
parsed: h=2 m=57
